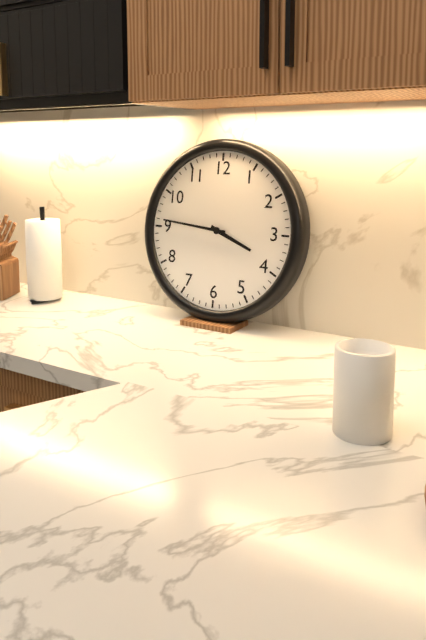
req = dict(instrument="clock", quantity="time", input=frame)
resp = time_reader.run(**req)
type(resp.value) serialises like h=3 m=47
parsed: h=3 m=46
